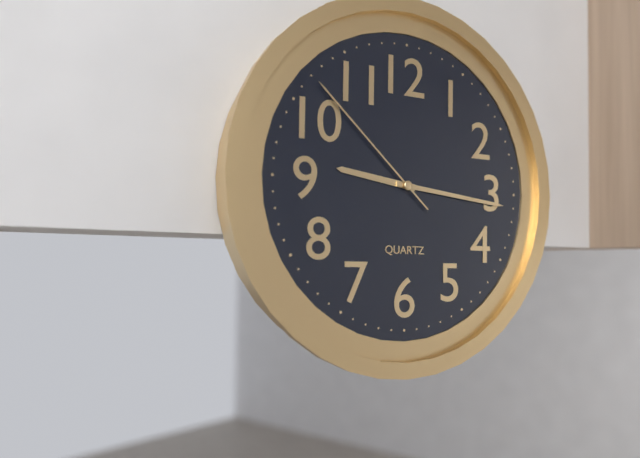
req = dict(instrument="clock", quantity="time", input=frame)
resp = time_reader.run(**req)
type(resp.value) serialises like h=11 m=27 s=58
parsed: h=9 m=16 s=52
